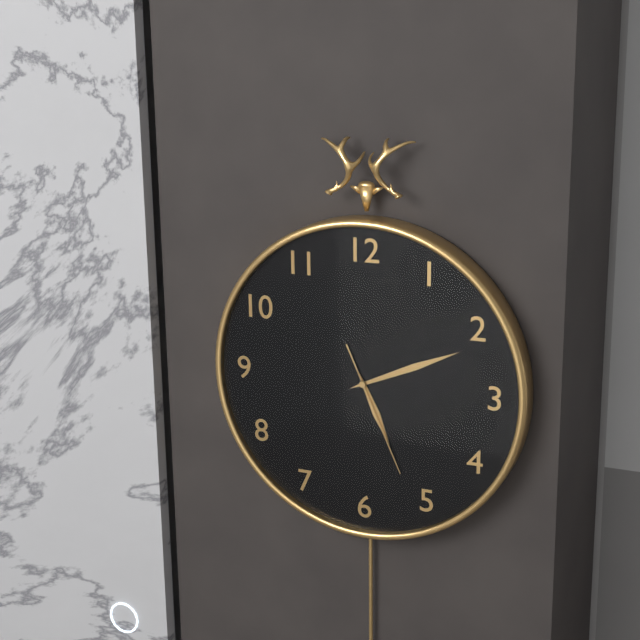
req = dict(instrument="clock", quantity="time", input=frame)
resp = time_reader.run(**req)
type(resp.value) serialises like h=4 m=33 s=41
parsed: h=5 m=11 s=26
